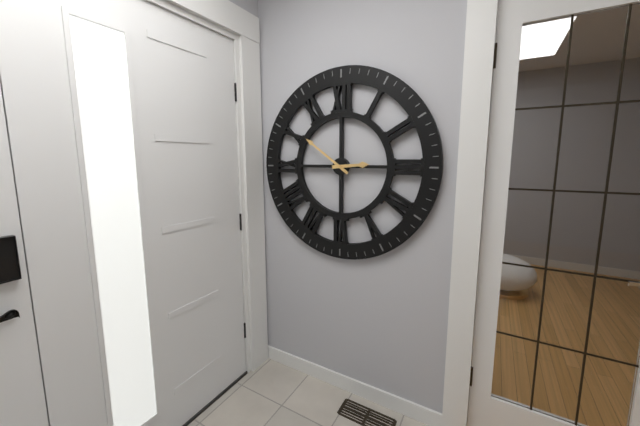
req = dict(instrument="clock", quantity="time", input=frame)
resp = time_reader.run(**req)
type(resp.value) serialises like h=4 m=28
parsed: h=2 m=51
